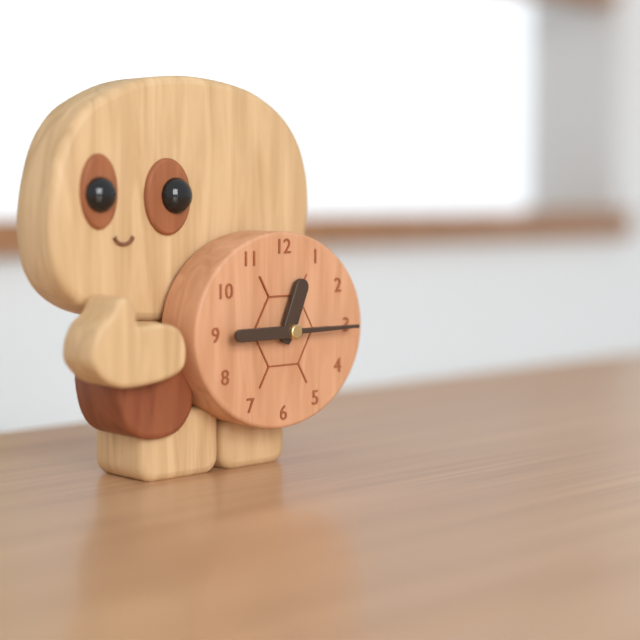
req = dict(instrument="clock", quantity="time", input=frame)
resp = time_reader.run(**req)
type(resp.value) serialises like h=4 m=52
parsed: h=12 m=45
